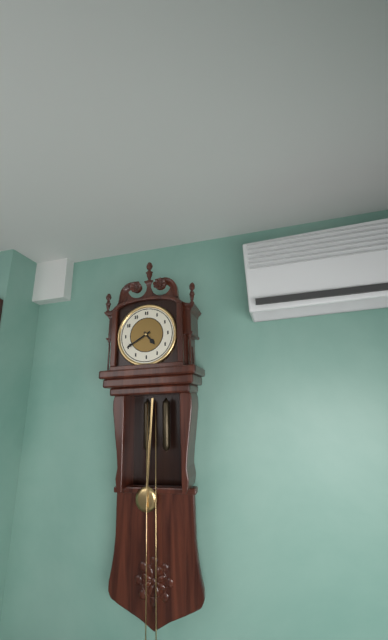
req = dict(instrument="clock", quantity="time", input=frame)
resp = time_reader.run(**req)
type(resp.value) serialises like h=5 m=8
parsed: h=4 m=40
